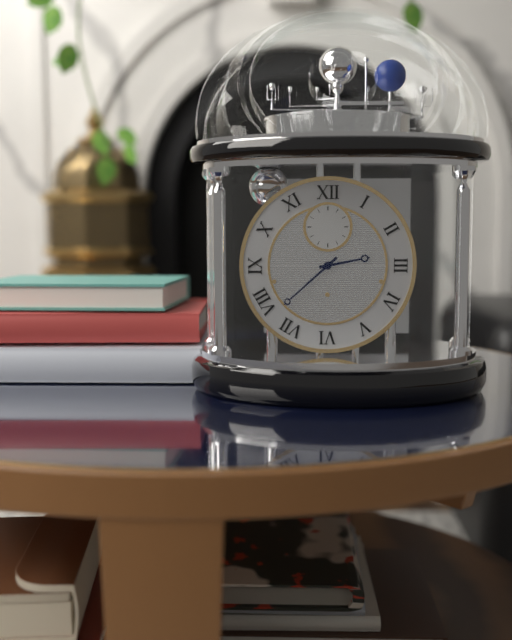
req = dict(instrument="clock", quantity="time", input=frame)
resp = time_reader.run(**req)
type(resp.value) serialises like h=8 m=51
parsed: h=2 m=38
